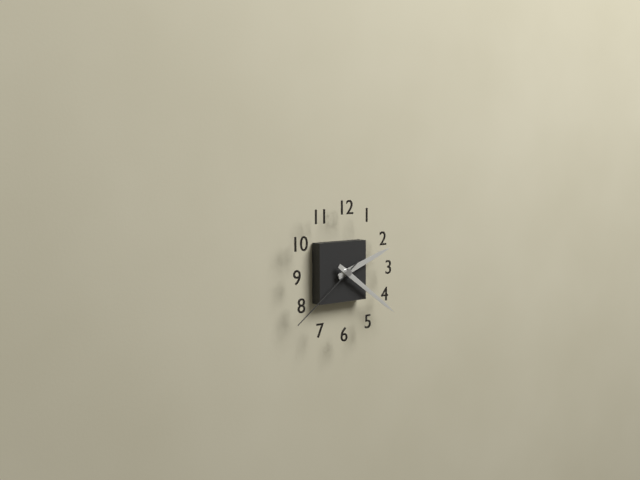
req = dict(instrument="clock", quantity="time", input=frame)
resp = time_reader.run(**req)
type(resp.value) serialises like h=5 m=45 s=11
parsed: h=2 m=21 s=39
